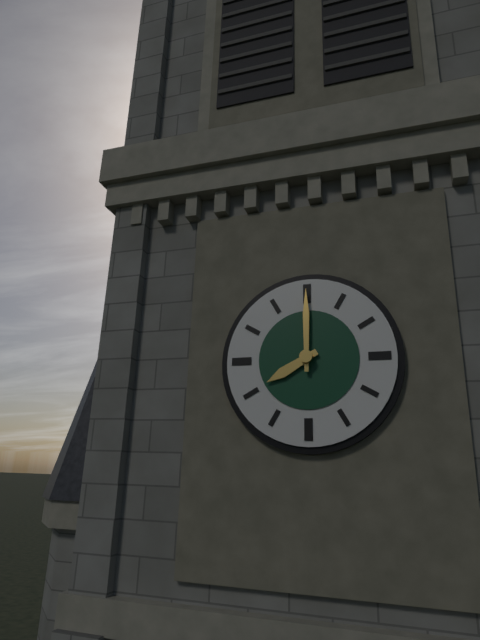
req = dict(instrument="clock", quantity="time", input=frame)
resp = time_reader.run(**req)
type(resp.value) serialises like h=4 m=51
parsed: h=8 m=0
